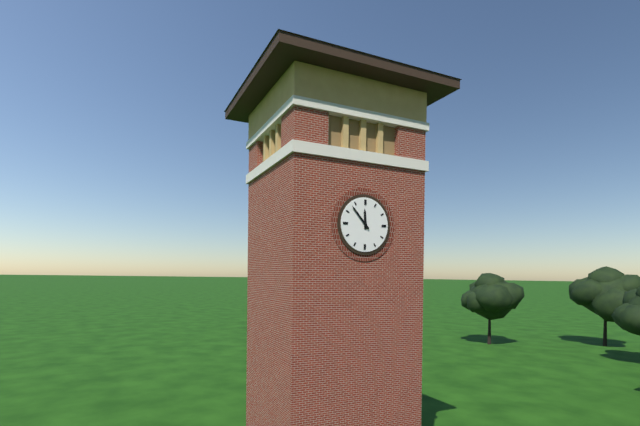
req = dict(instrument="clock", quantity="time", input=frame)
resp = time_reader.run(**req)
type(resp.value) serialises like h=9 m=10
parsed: h=11 m=53
